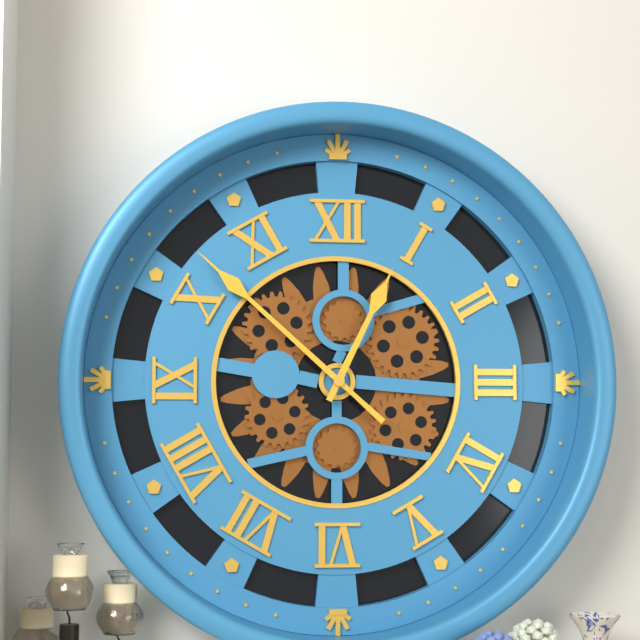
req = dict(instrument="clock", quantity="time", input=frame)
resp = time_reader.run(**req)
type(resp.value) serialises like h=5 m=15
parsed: h=12 m=52
